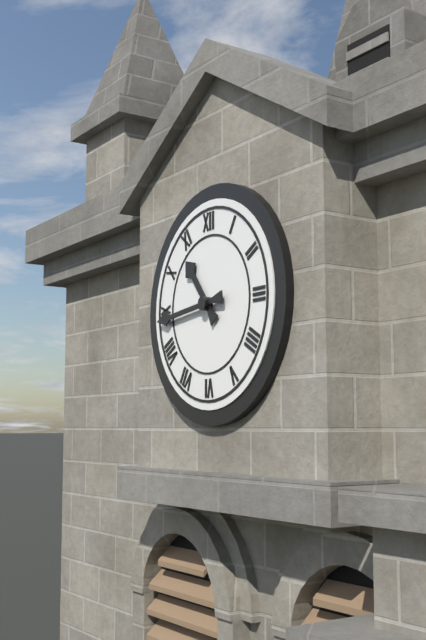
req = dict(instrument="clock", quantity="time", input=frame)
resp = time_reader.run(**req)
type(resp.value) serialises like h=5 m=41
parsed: h=10 m=44
